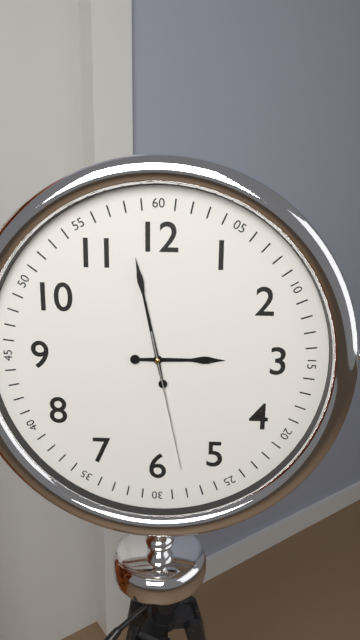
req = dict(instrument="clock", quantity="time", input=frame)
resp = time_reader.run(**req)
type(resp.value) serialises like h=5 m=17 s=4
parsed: h=2 m=58 s=28
